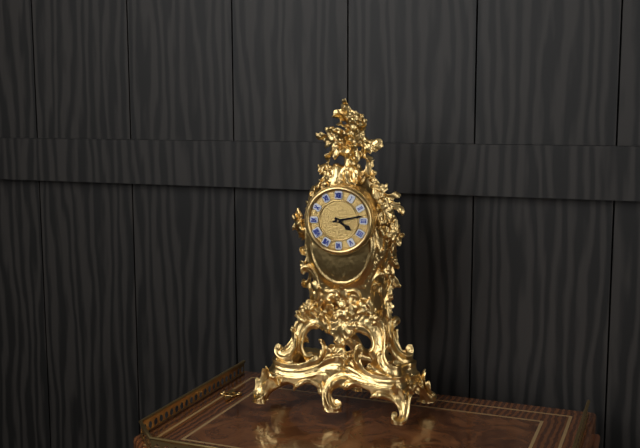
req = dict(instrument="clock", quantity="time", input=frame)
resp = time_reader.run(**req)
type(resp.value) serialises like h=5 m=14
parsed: h=4 m=13
